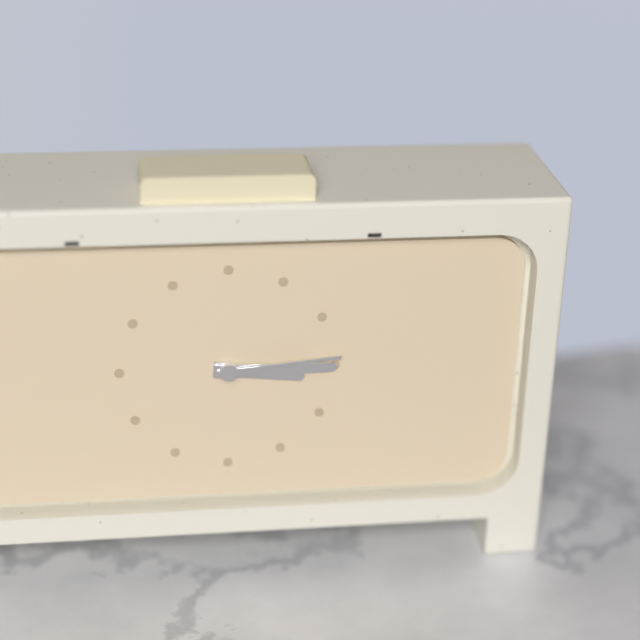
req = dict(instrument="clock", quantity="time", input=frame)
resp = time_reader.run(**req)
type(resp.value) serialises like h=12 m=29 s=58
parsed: h=3 m=15 s=14
